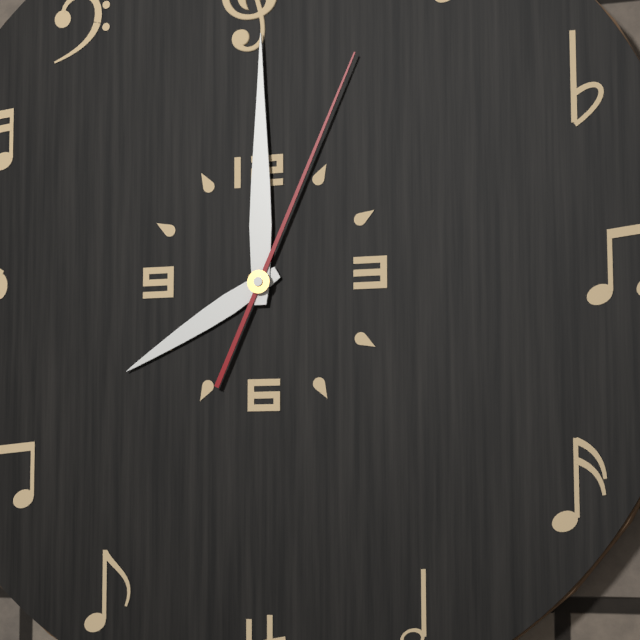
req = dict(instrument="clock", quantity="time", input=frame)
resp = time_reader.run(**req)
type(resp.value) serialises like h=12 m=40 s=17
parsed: h=8 m=0 s=4
